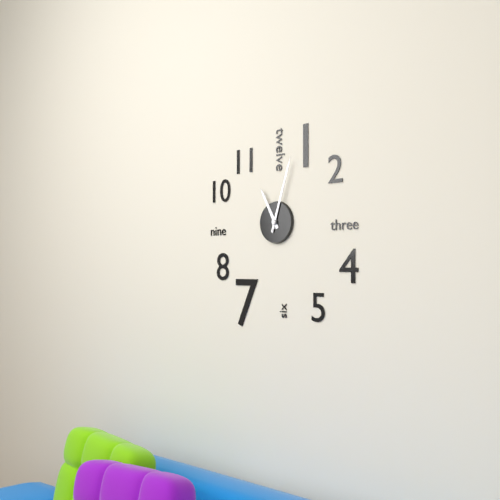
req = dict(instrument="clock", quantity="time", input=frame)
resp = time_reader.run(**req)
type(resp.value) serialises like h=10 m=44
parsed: h=11 m=3
